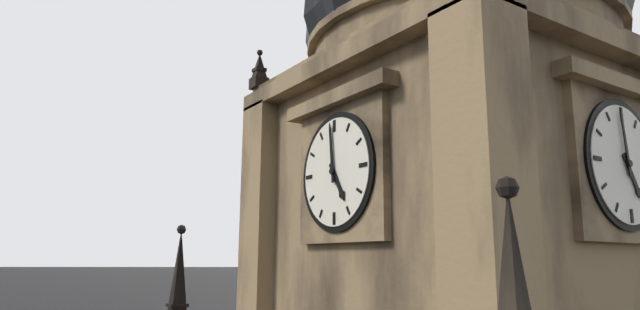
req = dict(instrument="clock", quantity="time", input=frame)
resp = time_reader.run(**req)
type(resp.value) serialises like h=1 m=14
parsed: h=4 m=59
